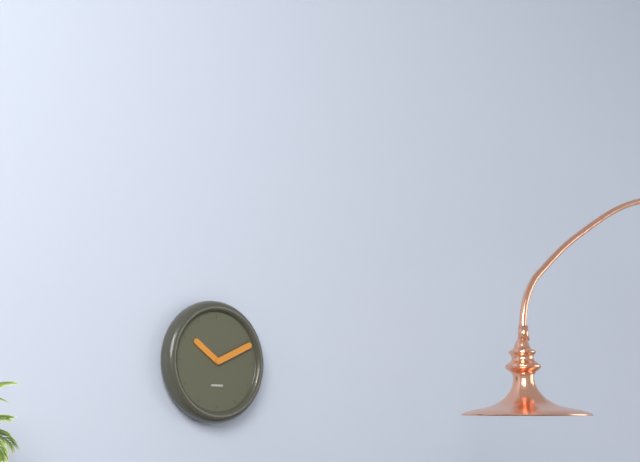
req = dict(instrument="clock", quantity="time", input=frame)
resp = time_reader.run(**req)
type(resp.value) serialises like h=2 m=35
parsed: h=10 m=11
